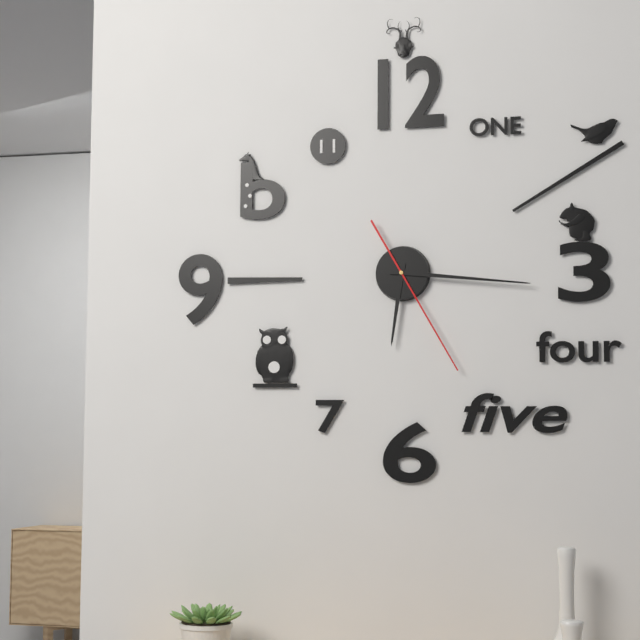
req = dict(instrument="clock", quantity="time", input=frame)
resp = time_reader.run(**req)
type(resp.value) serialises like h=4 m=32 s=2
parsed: h=6 m=16 s=25
